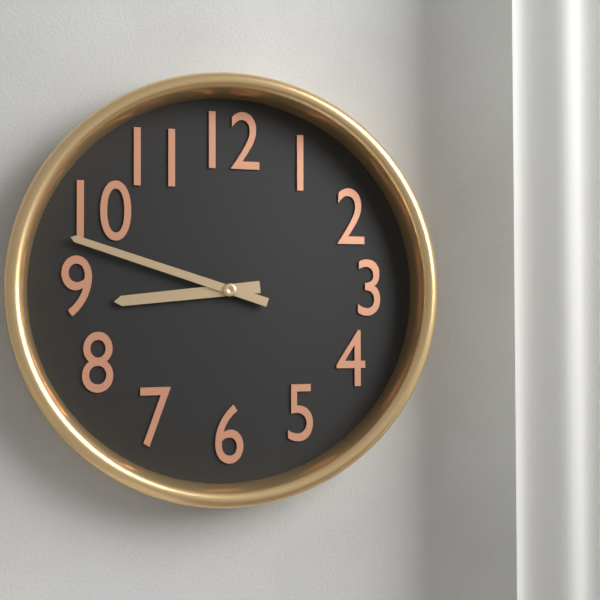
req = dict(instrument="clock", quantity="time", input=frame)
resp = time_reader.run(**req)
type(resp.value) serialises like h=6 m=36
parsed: h=8 m=48
